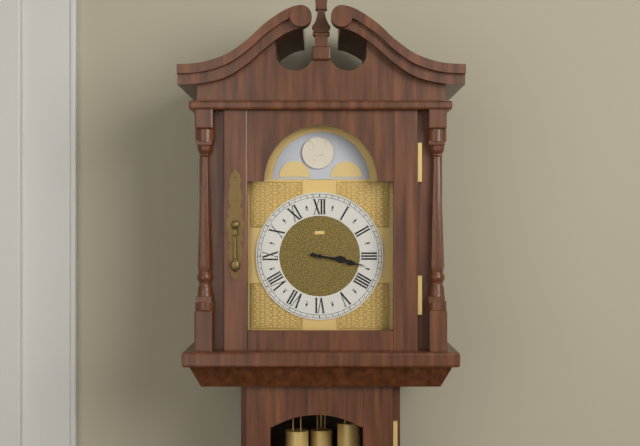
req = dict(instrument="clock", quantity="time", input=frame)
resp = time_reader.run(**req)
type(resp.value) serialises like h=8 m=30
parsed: h=3 m=17
